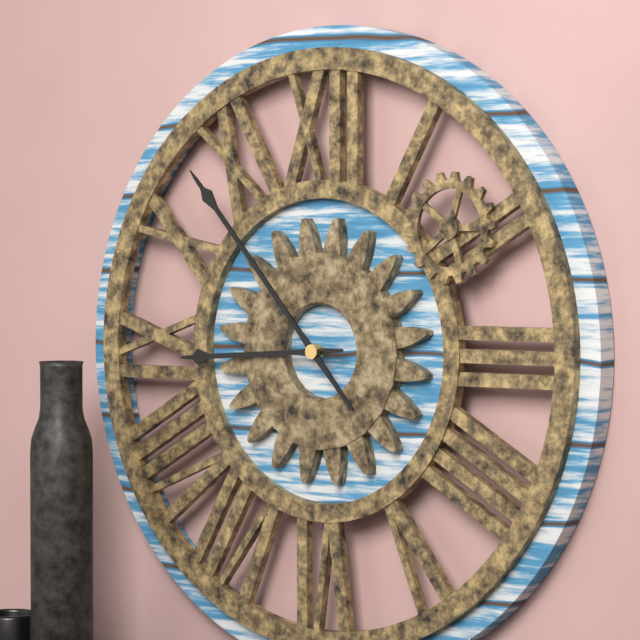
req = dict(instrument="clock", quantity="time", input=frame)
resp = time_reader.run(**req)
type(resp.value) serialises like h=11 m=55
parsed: h=8 m=53
